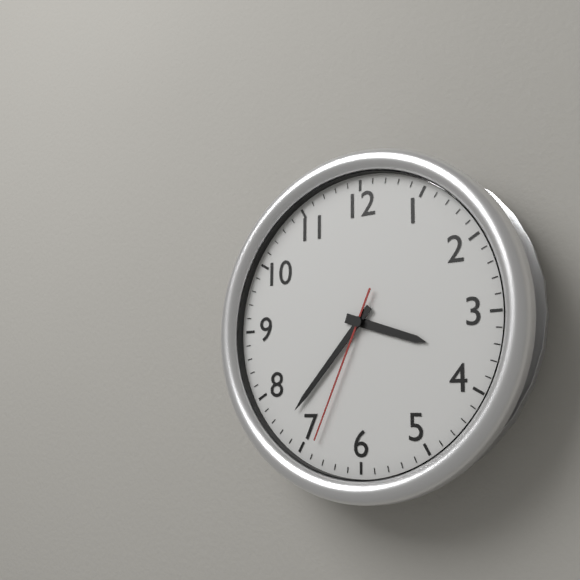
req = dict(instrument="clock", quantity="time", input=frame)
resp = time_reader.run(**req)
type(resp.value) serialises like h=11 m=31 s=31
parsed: h=3 m=37 s=34
